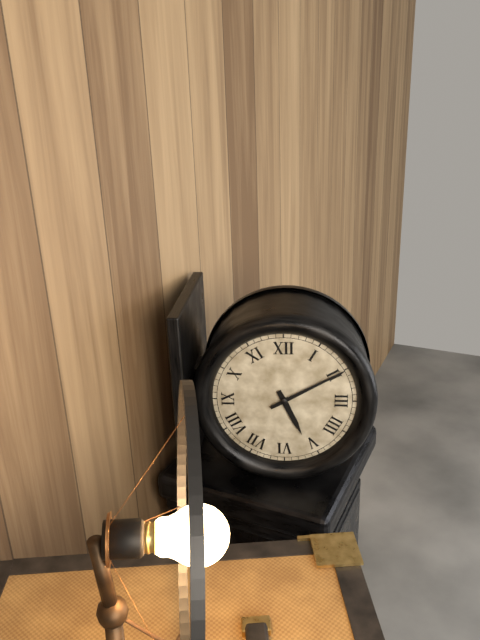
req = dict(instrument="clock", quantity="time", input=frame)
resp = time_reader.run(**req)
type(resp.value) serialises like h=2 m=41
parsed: h=5 m=10
